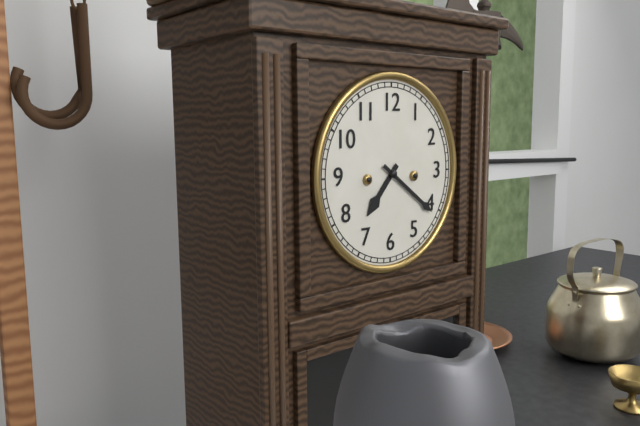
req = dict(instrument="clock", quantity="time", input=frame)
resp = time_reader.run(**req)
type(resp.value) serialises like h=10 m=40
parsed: h=7 m=21
